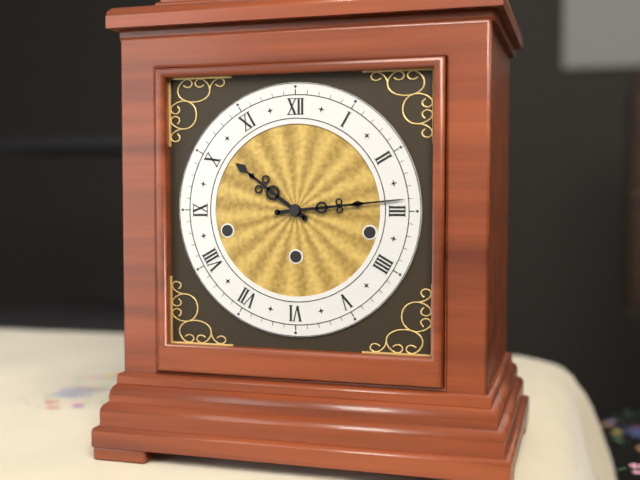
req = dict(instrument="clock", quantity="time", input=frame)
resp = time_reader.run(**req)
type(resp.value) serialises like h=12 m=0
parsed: h=10 m=14
